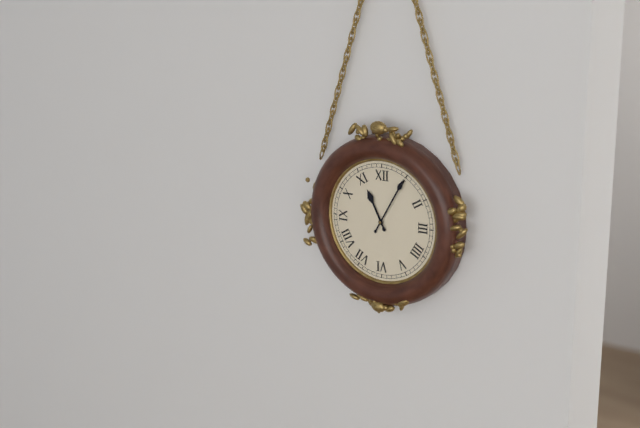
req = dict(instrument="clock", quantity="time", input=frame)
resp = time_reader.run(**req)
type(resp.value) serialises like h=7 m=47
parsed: h=11 m=5
